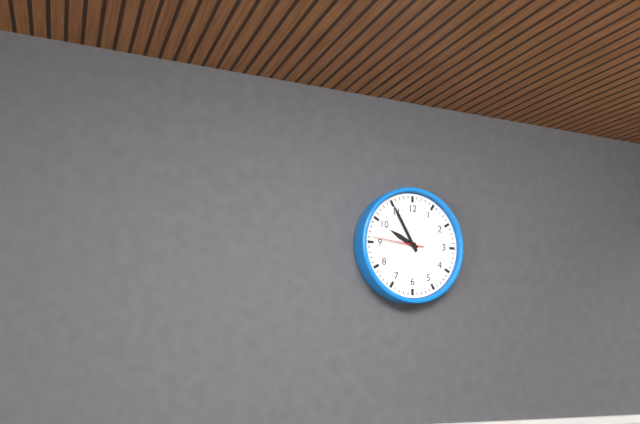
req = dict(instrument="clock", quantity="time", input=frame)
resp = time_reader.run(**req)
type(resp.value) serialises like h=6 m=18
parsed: h=9 m=55
